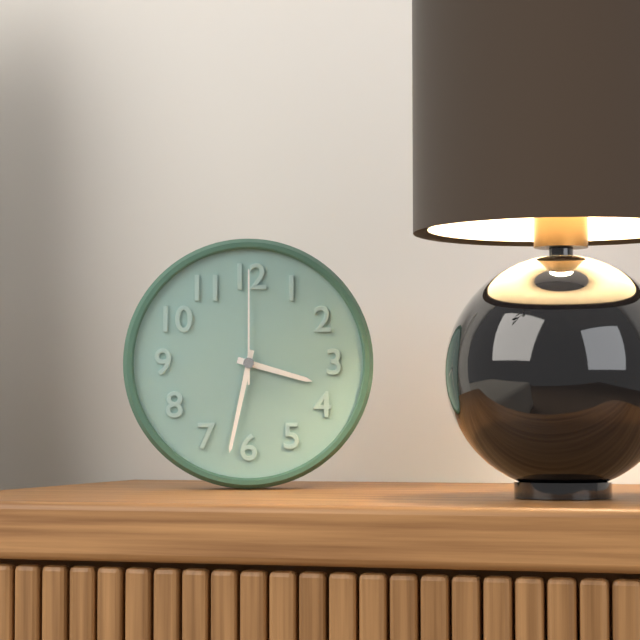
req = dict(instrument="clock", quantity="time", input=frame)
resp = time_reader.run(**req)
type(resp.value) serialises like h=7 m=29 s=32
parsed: h=3 m=32 s=0
